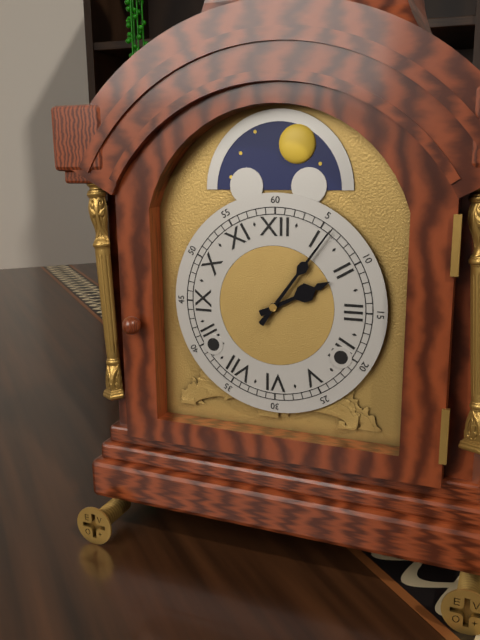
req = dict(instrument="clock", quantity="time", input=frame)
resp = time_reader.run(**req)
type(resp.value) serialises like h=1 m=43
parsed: h=2 m=6
